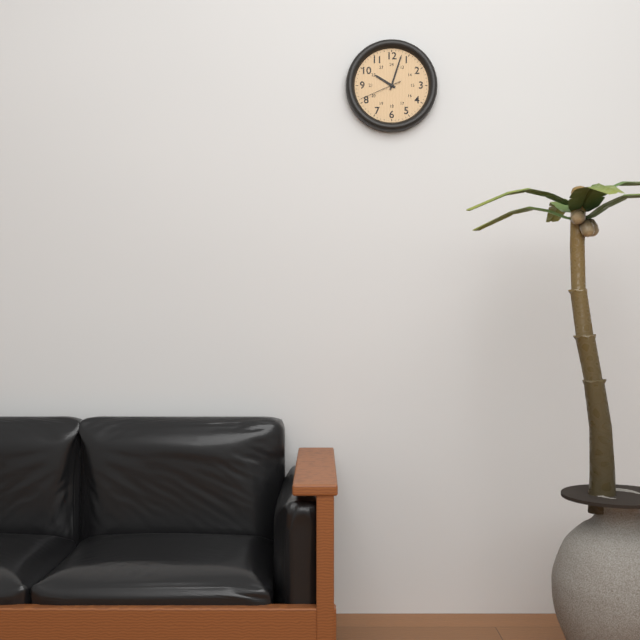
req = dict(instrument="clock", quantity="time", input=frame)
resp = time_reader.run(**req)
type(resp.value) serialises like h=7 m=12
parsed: h=10 m=3
